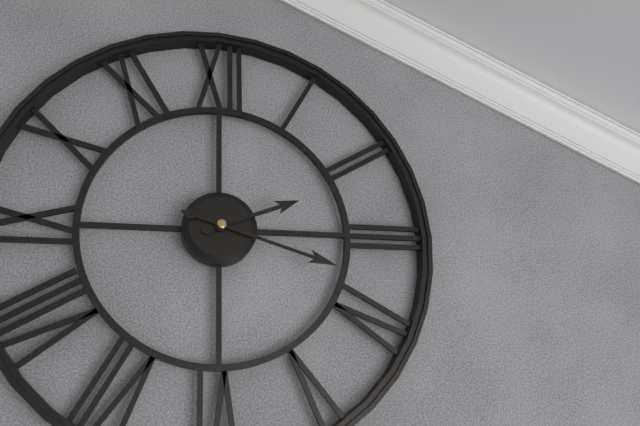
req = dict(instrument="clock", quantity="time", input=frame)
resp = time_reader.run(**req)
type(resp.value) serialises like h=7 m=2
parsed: h=2 m=18
